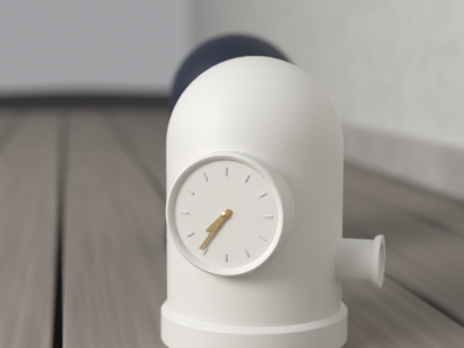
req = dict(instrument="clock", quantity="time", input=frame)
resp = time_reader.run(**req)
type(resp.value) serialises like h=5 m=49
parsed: h=7 m=36
